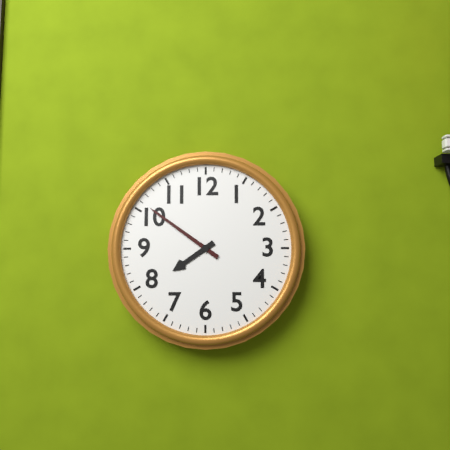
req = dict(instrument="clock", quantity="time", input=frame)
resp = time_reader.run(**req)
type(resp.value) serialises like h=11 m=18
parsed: h=7 m=51
